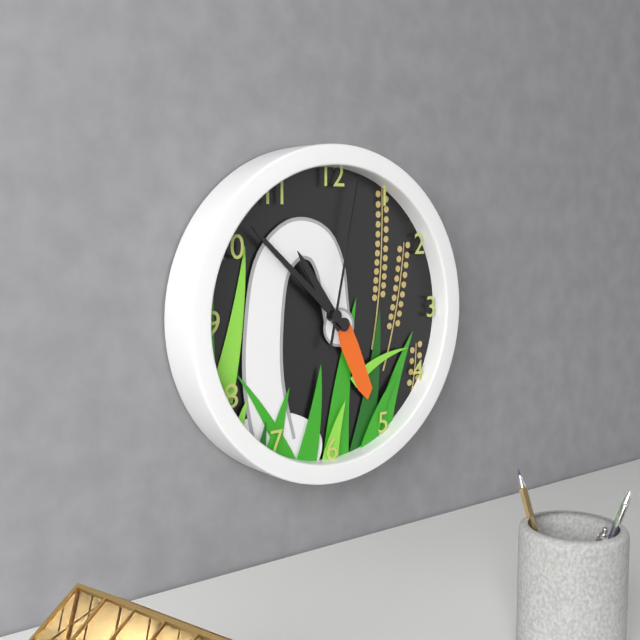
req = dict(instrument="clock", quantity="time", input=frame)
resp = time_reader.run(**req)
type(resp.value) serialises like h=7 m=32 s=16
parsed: h=10 m=52 s=2
